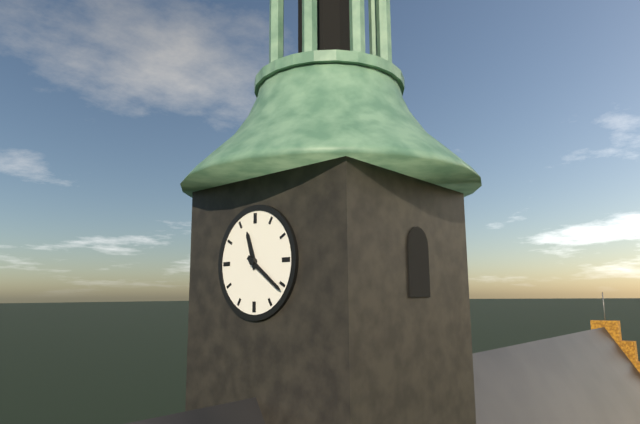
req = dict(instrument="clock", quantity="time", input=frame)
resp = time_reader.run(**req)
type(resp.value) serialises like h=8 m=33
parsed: h=11 m=21
